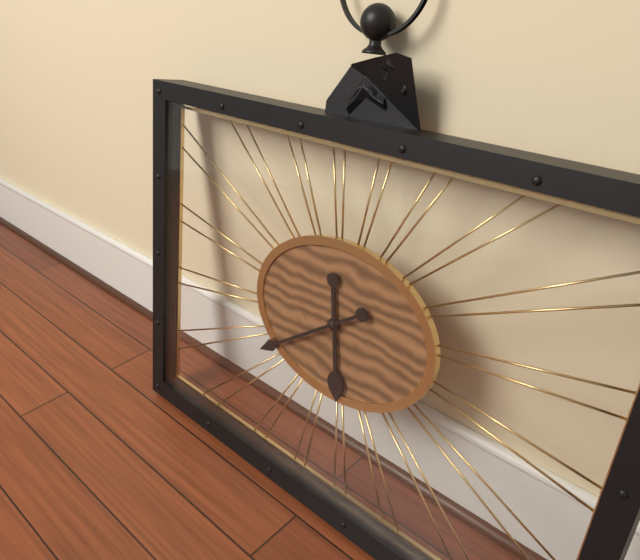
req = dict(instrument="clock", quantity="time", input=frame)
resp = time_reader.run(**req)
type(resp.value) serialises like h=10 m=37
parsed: h=5 m=39
